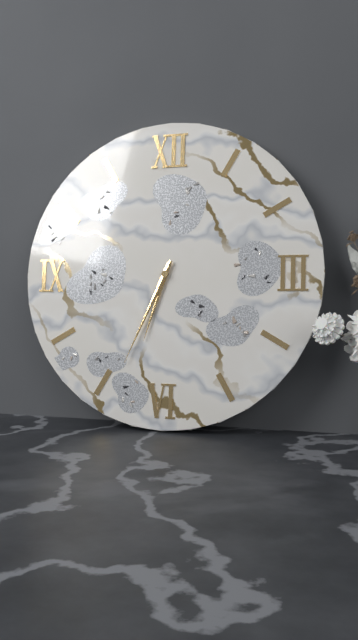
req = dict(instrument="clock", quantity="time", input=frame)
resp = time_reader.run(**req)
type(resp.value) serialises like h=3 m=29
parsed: h=6 m=34
